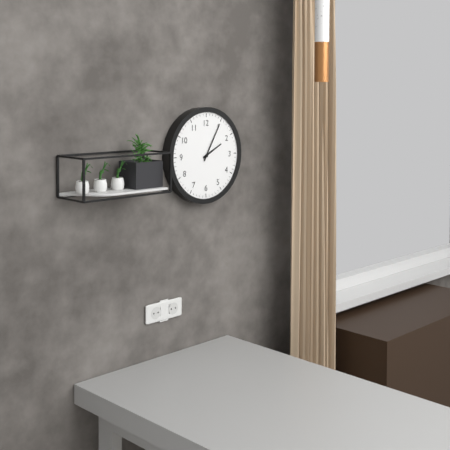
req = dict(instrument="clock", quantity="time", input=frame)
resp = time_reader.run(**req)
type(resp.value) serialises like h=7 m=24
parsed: h=2 m=5
